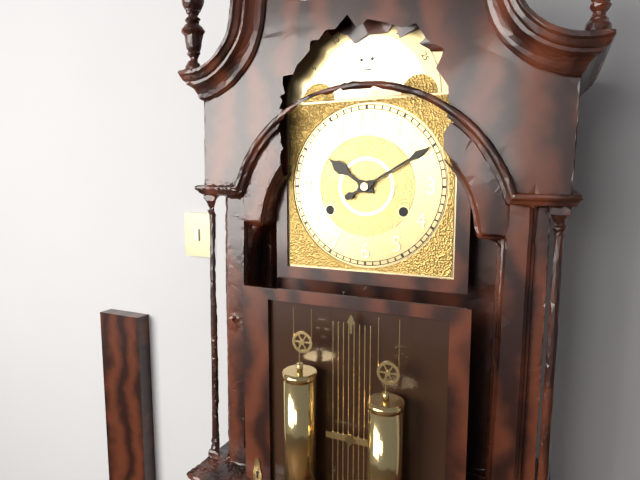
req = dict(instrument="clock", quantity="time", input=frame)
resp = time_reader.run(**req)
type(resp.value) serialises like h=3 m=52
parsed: h=10 m=10
